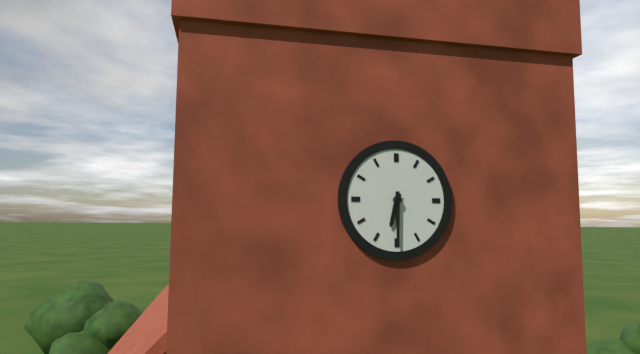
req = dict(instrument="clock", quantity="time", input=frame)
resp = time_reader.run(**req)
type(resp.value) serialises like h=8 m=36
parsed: h=6 m=30
